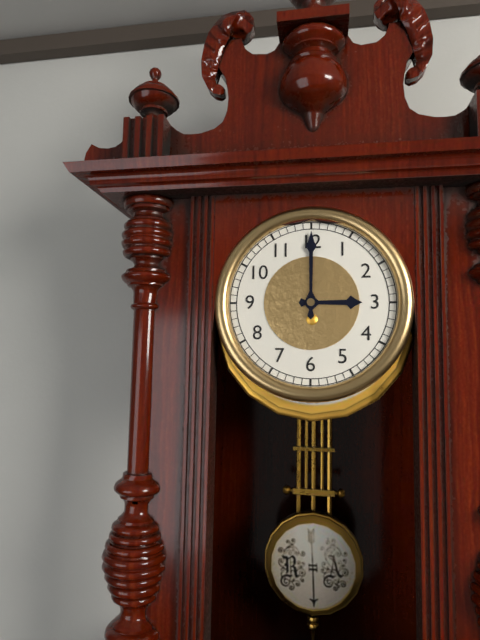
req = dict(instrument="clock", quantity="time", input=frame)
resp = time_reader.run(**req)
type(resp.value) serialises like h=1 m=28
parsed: h=3 m=0
